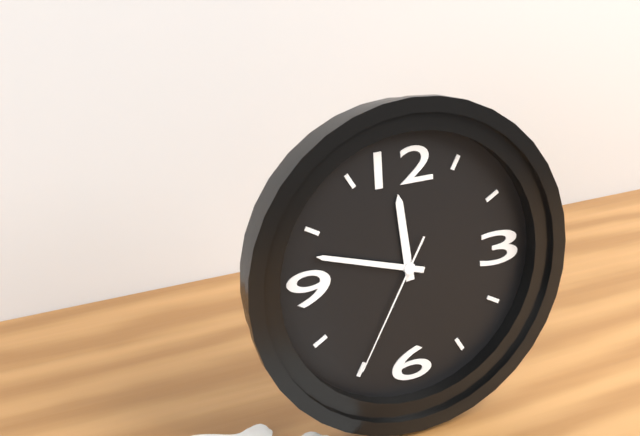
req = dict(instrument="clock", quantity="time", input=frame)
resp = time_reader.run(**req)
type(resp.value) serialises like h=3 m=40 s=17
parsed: h=11 m=48 s=35
